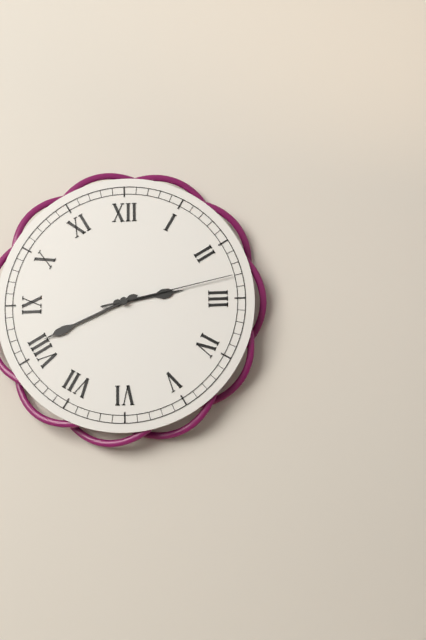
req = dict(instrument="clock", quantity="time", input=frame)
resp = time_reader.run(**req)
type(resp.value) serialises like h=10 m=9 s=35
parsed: h=2 m=41 s=13
